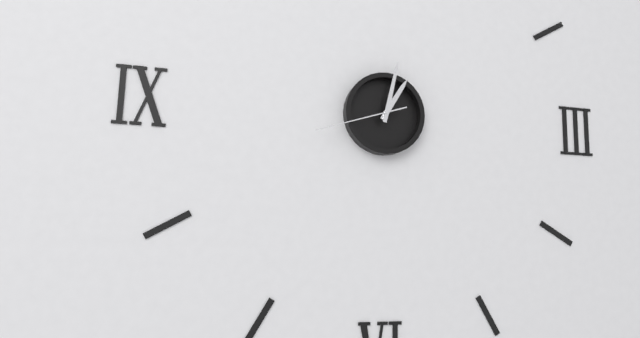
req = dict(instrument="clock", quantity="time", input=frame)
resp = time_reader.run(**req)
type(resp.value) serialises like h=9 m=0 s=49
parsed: h=1 m=2 s=42
